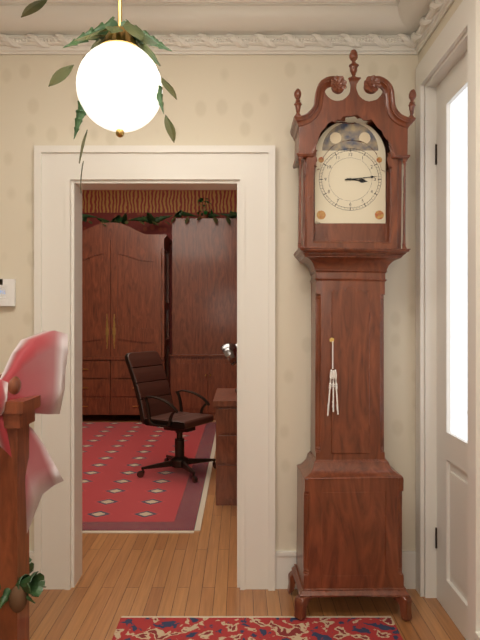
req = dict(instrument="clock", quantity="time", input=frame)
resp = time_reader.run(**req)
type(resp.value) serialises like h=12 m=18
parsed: h=3 m=14
